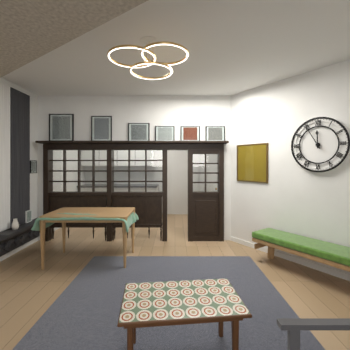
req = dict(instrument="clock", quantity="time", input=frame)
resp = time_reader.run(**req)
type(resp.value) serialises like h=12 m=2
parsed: h=11 m=55
